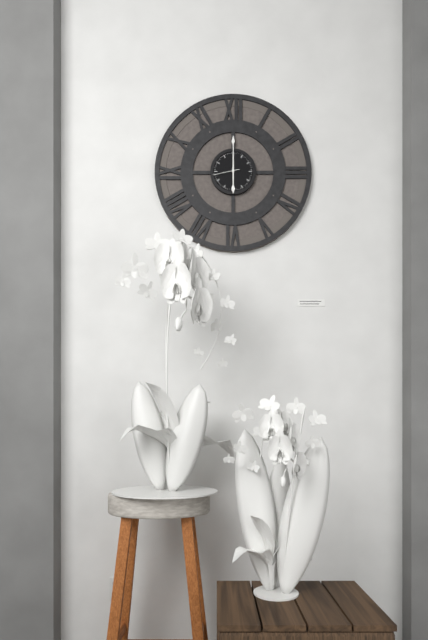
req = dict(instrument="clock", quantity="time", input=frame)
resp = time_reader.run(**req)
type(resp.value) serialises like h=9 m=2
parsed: h=6 m=0
